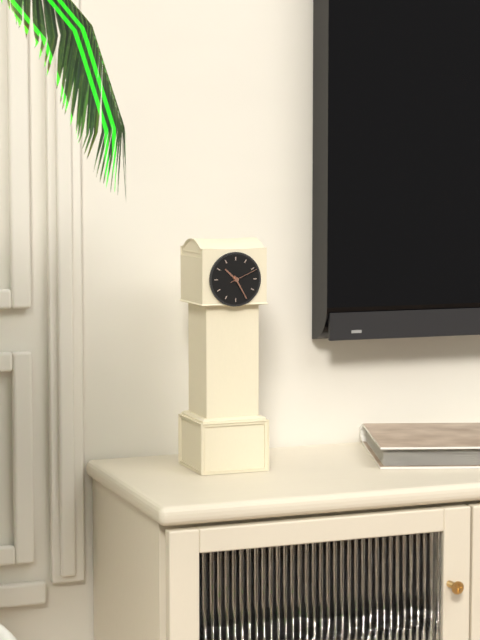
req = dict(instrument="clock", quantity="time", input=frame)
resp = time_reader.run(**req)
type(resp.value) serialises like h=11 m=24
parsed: h=10 m=25
